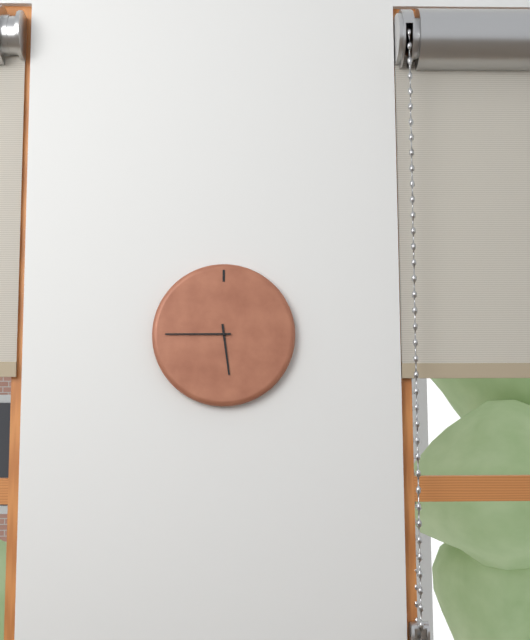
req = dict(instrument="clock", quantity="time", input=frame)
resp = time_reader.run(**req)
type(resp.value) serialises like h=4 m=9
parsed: h=5 m=45
